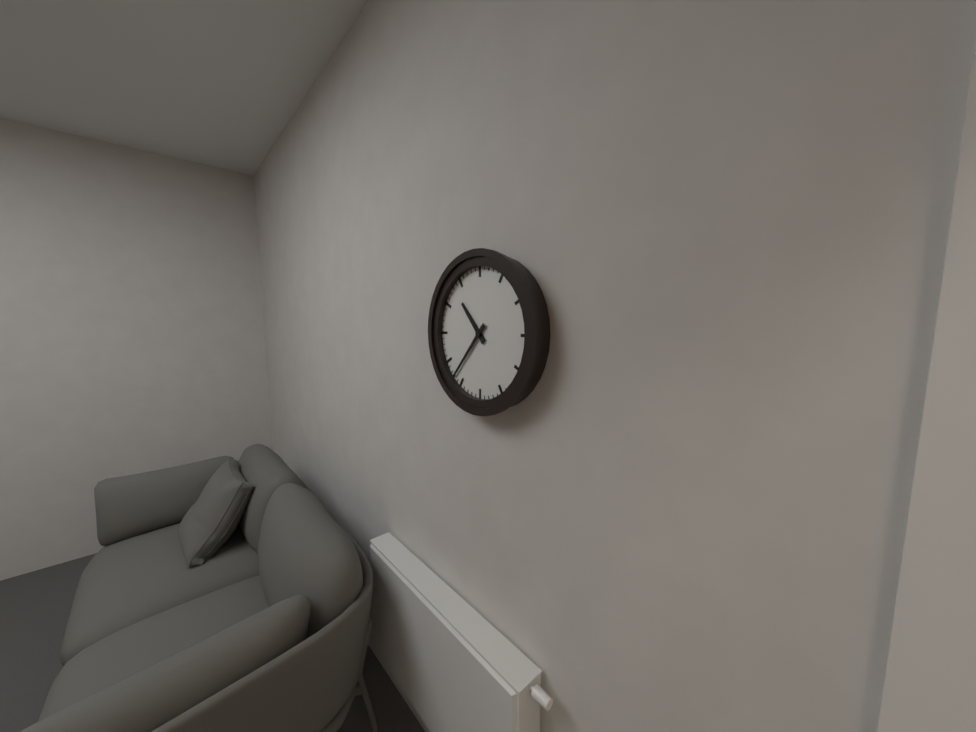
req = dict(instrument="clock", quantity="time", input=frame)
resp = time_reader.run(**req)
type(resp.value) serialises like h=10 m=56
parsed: h=10 m=37
